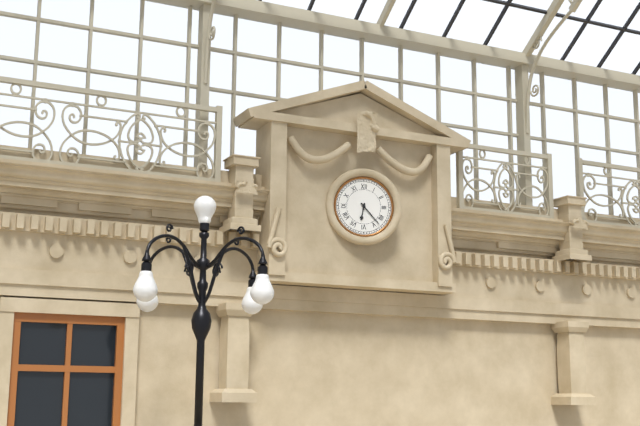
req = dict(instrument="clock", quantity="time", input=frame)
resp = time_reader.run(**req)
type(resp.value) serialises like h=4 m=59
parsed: h=6 m=23
